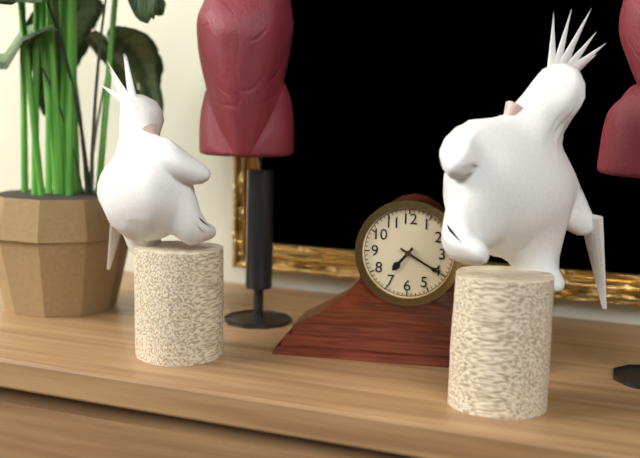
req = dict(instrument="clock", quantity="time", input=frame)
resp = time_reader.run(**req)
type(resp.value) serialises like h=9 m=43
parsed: h=7 m=20
